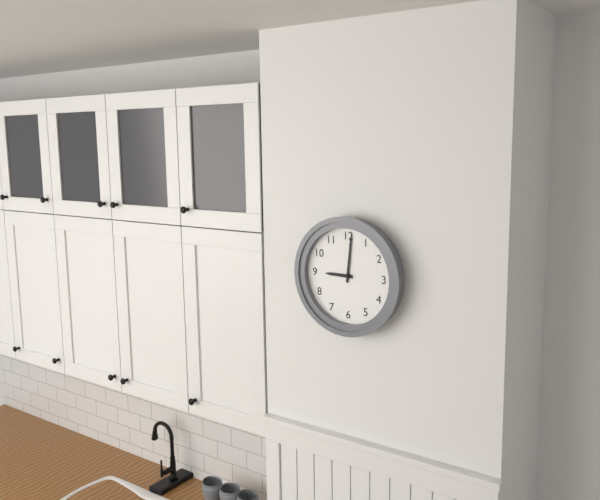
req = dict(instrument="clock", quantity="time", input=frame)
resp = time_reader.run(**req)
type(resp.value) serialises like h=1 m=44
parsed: h=9 m=1
